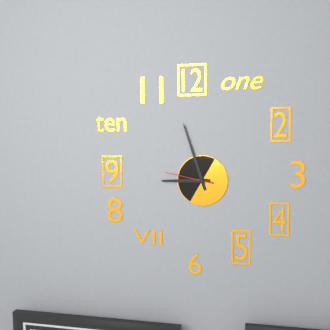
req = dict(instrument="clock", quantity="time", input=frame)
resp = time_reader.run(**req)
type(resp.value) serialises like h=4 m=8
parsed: h=8 m=57
